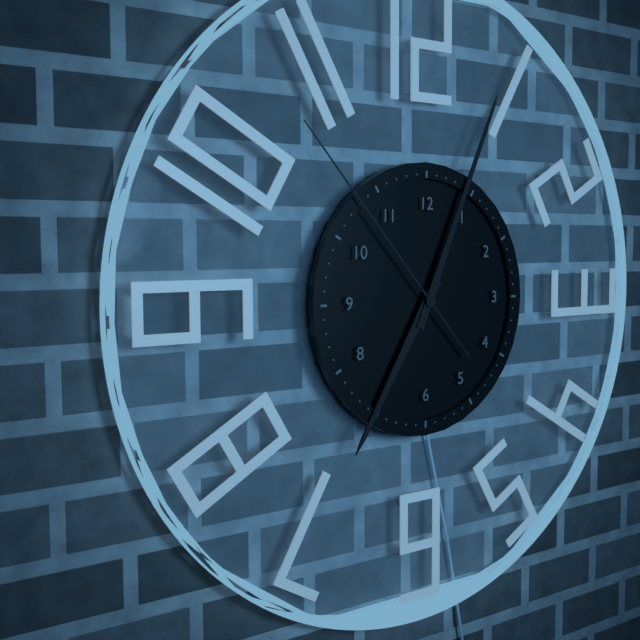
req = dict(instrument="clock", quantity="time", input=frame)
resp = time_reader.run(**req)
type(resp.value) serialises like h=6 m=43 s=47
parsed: h=7 m=4 s=53
